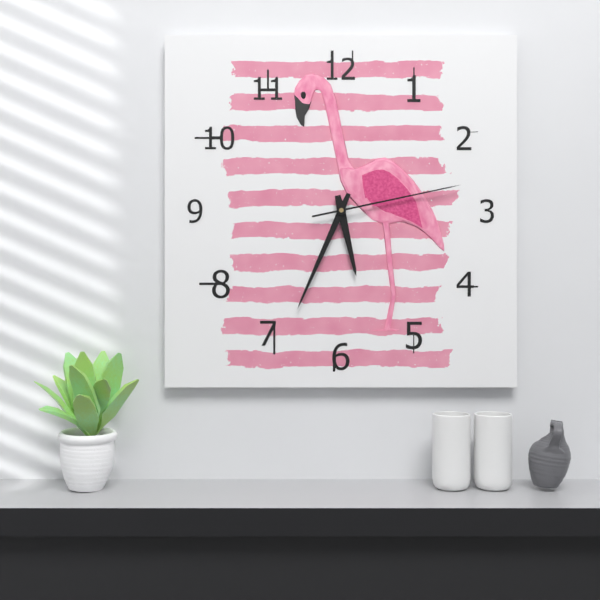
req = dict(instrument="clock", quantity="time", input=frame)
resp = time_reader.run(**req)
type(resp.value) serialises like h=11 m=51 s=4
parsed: h=5 m=34 s=13
